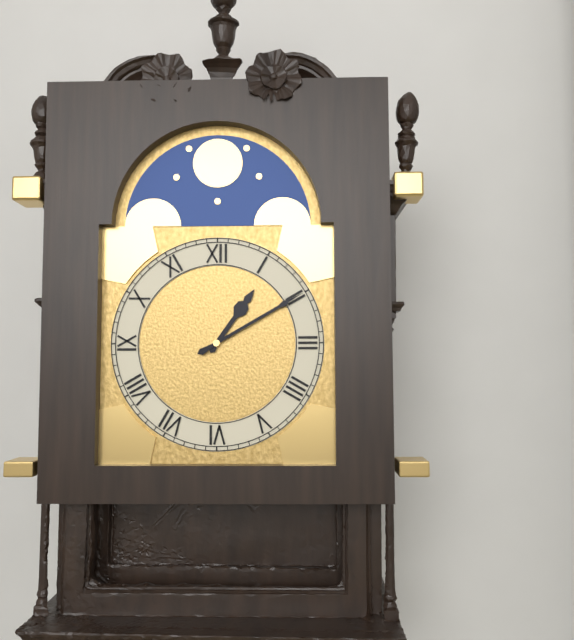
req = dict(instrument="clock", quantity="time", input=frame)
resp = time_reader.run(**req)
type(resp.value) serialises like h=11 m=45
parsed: h=1 m=10
